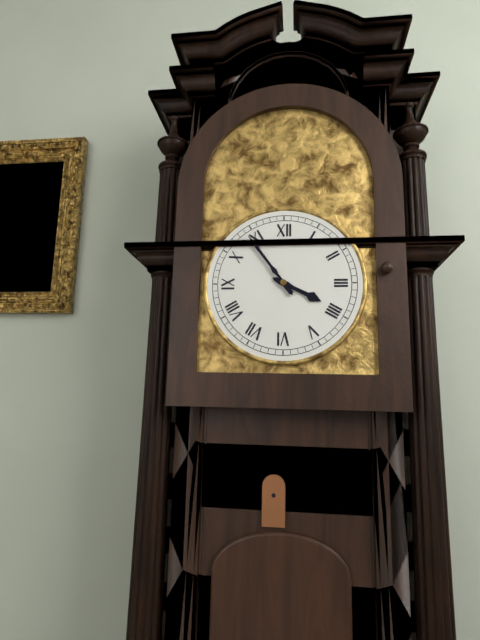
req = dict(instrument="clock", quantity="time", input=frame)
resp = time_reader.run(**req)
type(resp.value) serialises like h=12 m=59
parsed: h=3 m=54
